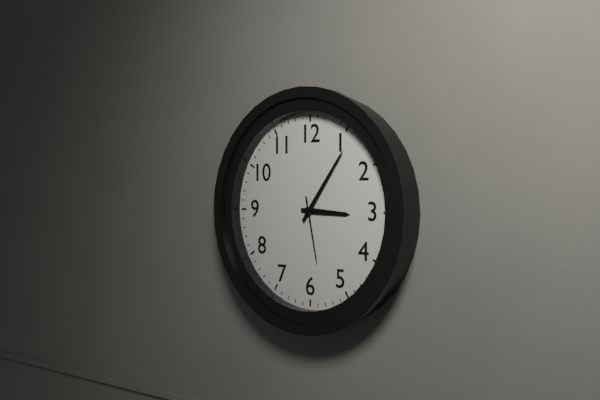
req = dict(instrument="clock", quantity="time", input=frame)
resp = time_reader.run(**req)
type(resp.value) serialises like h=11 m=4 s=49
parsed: h=3 m=6 s=28
